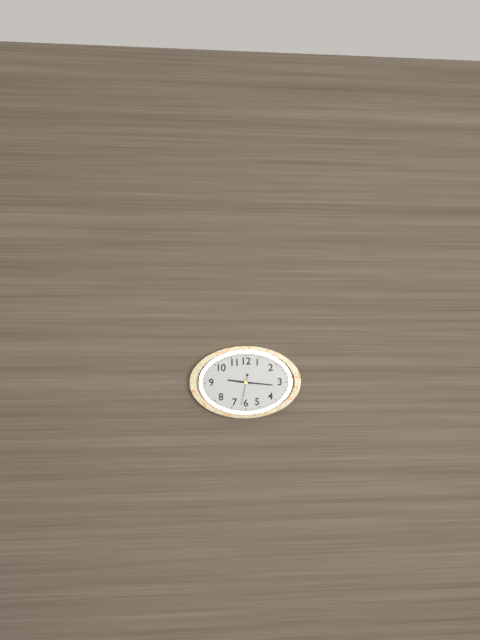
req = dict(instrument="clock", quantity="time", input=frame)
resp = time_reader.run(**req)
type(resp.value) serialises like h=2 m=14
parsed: h=9 m=16
